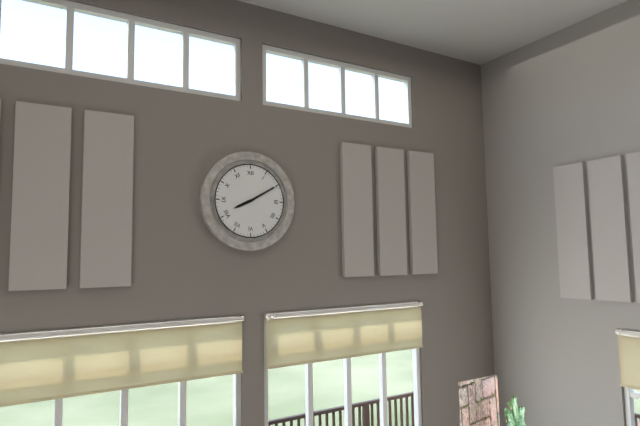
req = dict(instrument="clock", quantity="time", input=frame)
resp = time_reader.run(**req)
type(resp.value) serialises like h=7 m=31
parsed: h=8 m=10
